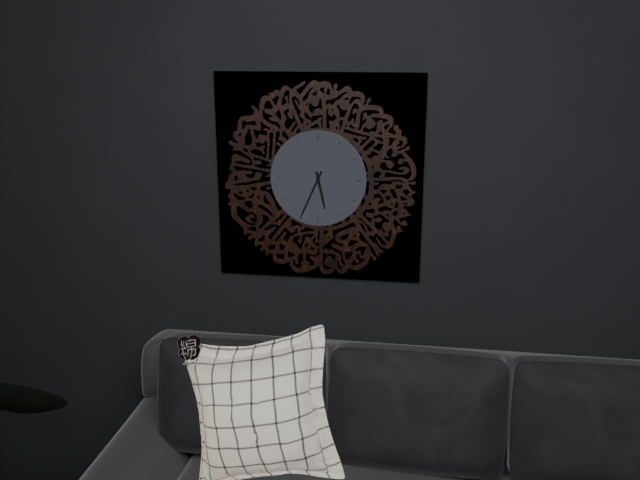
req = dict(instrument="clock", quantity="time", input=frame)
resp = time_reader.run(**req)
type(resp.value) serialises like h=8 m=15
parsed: h=5 m=34
